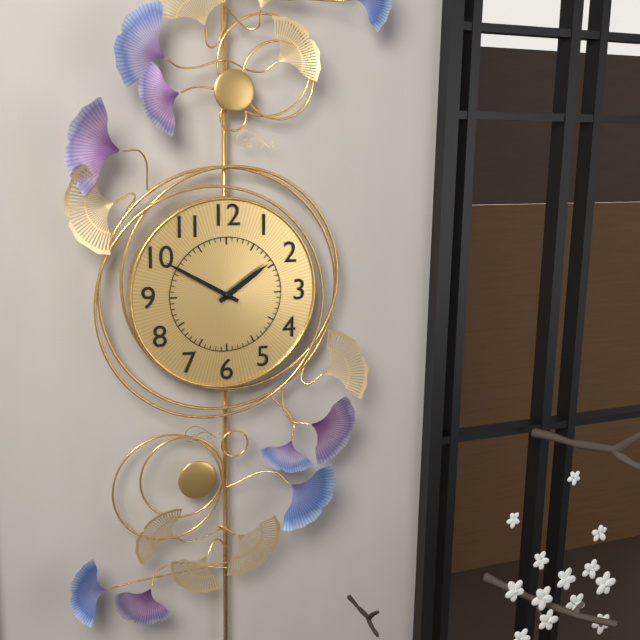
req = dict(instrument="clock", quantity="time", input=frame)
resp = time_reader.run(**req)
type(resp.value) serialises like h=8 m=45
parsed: h=1 m=50
